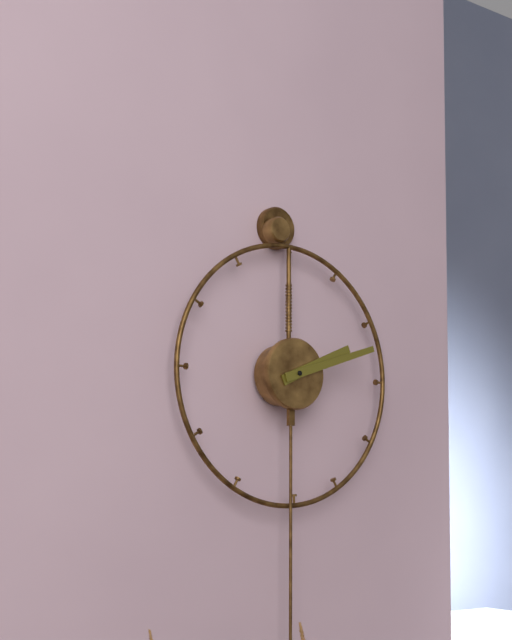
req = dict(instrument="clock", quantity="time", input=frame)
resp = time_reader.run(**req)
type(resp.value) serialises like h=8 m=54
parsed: h=2 m=12
